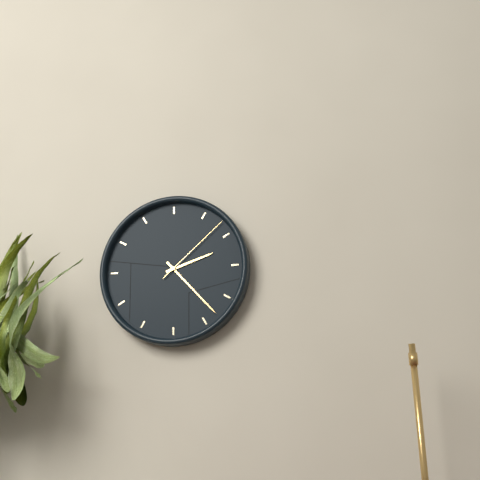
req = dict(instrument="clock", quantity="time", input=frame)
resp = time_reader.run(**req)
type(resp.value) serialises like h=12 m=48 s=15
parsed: h=2 m=23 s=8
